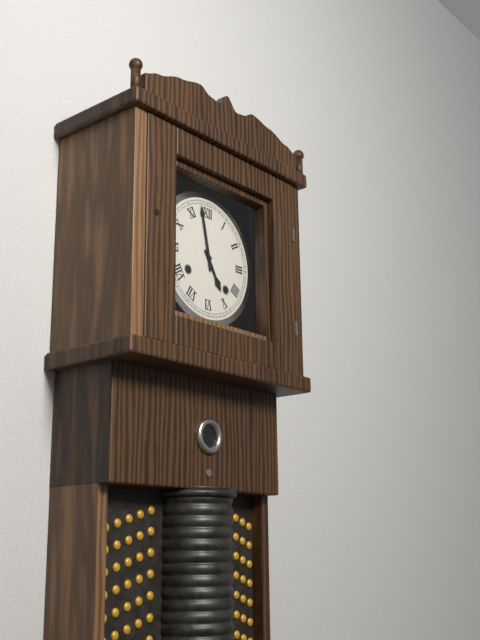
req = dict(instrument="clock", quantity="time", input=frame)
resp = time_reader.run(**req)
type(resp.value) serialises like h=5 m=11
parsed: h=4 m=58
